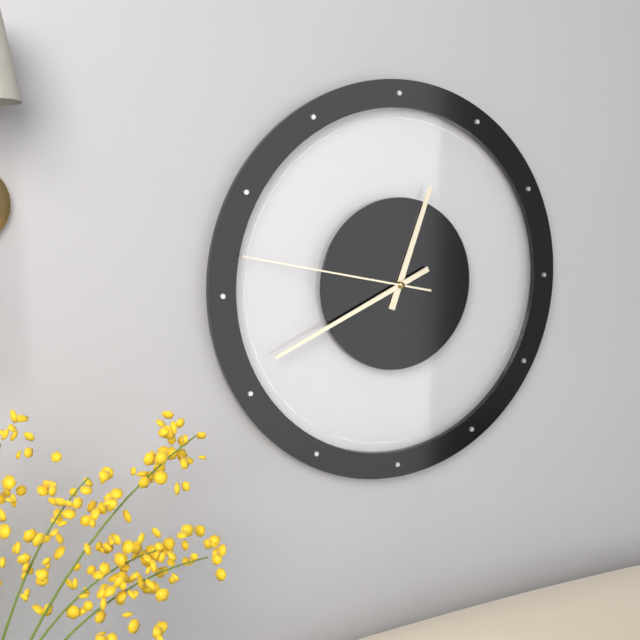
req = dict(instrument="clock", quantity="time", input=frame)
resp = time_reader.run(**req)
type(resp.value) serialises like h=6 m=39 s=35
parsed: h=12 m=41 s=47
